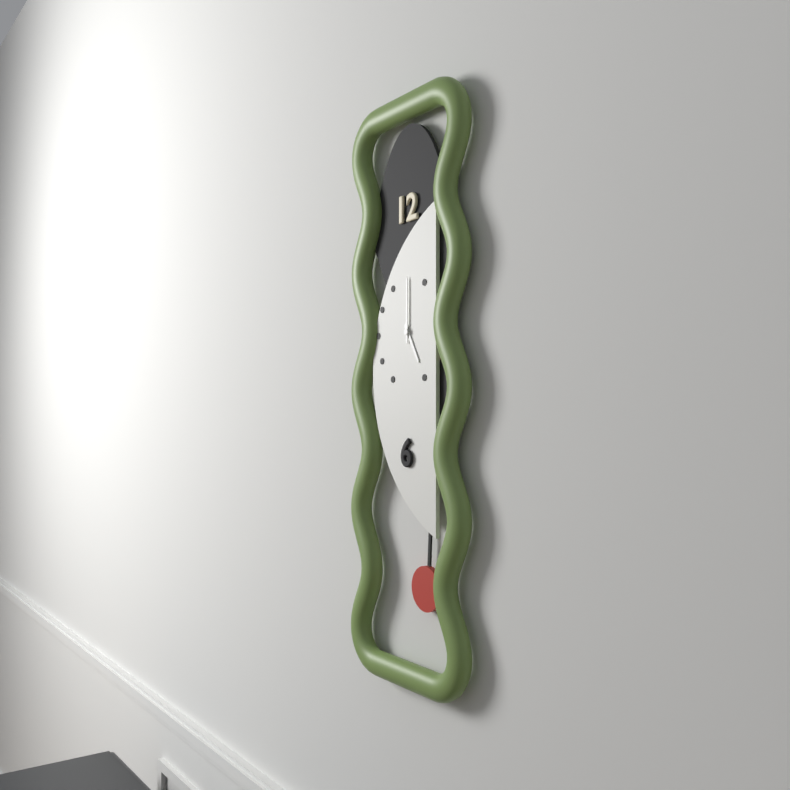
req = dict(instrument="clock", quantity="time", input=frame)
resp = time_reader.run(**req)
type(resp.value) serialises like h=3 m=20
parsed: h=5 m=0
